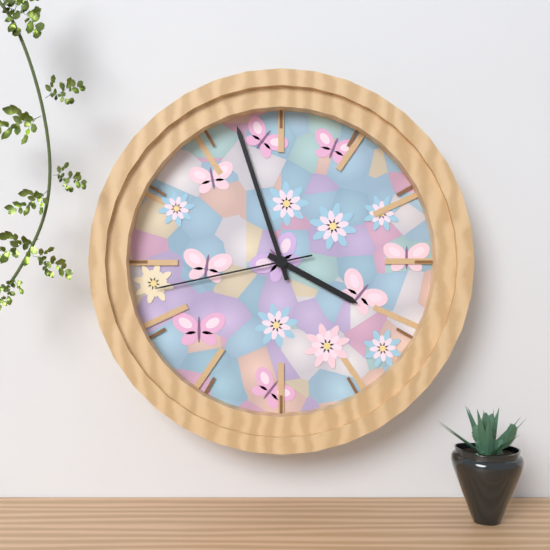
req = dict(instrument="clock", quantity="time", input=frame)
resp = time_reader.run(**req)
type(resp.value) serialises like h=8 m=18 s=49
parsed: h=3 m=57 s=43
